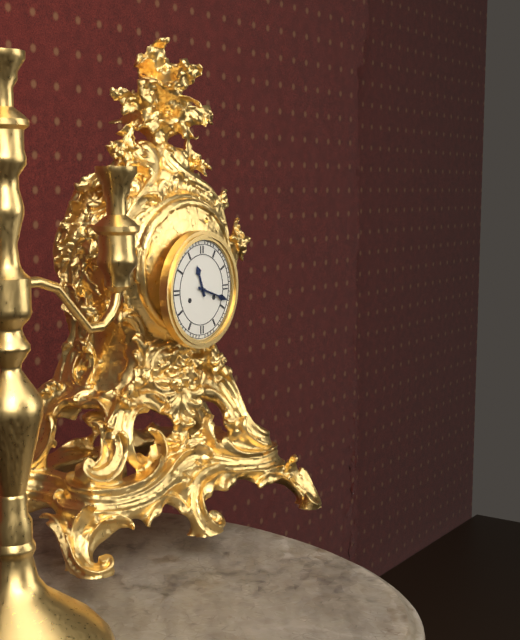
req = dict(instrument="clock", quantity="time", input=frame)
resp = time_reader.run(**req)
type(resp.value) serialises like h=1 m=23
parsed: h=11 m=18
